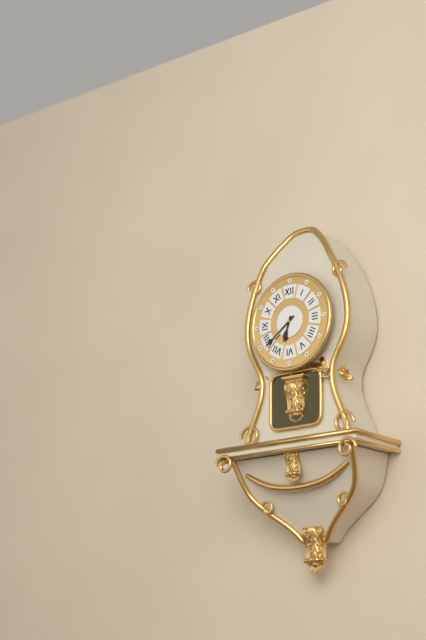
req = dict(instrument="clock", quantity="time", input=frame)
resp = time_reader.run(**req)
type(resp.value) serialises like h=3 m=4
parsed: h=6 m=39
